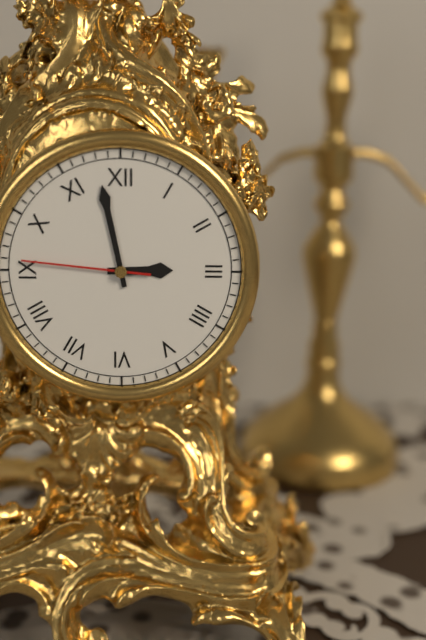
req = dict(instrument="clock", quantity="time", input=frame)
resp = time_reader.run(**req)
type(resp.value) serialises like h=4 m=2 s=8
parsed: h=2 m=58 s=46
